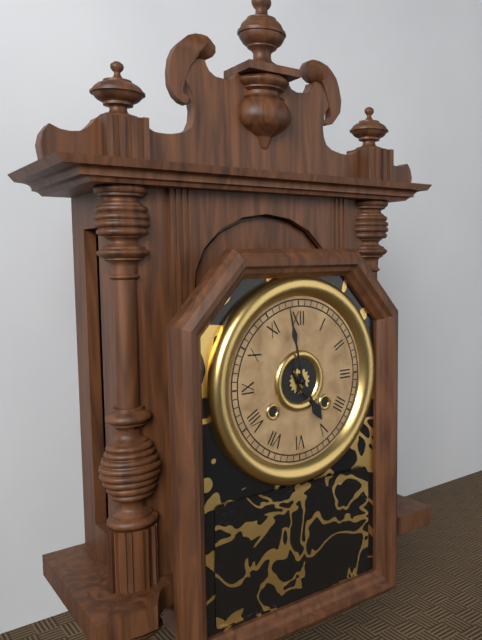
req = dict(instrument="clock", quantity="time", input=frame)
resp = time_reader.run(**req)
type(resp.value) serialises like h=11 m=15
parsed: h=4 m=58
